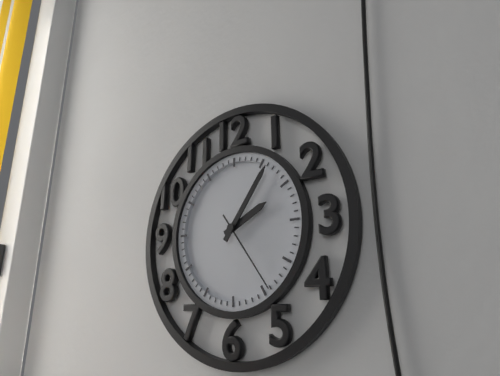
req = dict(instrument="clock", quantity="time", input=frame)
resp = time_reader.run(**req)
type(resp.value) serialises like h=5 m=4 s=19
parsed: h=2 m=6 s=24
